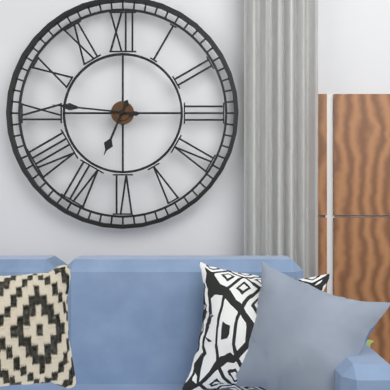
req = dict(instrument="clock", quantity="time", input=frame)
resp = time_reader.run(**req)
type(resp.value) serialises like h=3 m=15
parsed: h=6 m=46
